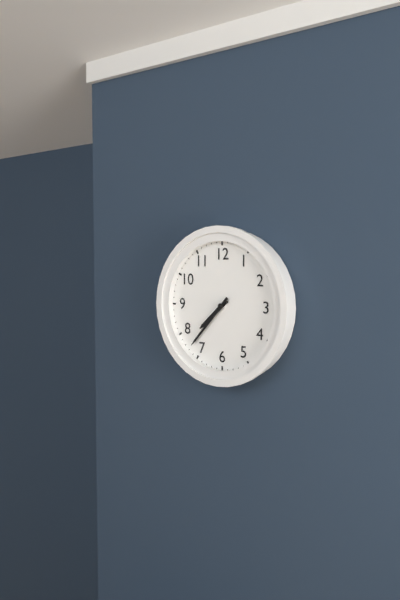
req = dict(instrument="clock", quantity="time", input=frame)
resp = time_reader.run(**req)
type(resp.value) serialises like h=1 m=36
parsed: h=7 m=37
